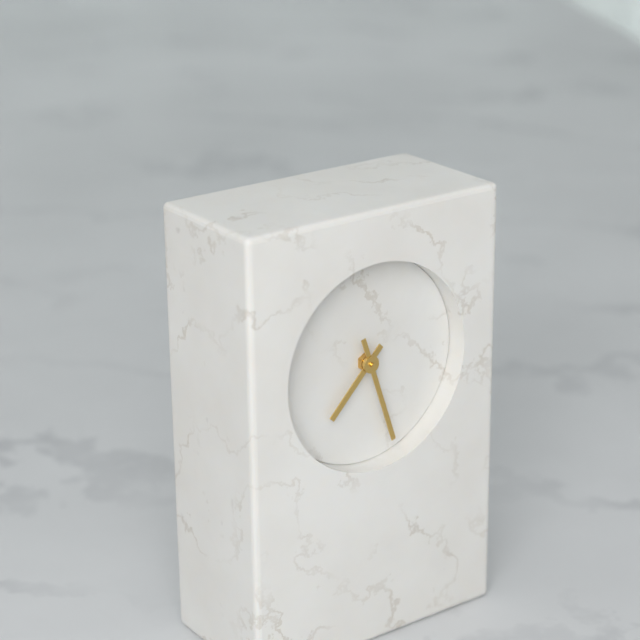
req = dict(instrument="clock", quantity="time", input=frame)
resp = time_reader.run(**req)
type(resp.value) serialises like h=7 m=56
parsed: h=7 m=27
